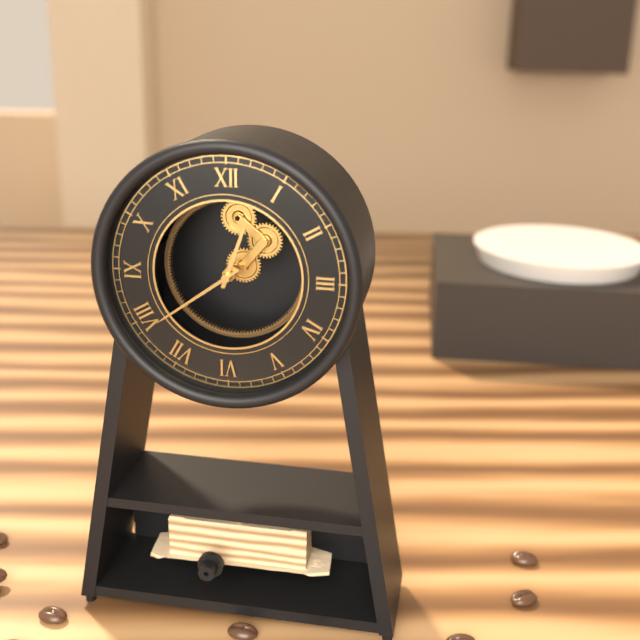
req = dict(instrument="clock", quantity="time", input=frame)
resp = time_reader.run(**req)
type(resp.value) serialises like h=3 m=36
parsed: h=12 m=39
